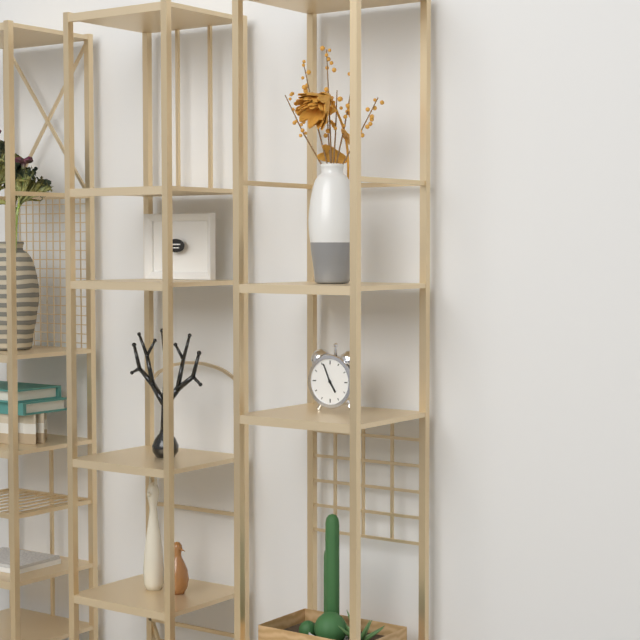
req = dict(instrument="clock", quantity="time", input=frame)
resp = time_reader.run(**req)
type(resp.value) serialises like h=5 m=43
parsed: h=4 m=56
